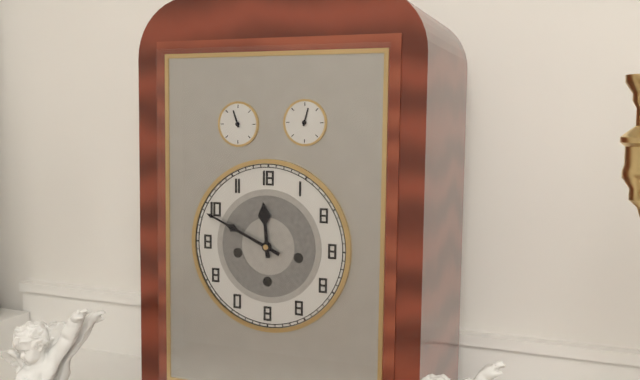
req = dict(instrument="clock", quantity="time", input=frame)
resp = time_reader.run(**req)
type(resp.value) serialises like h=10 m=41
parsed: h=11 m=49
